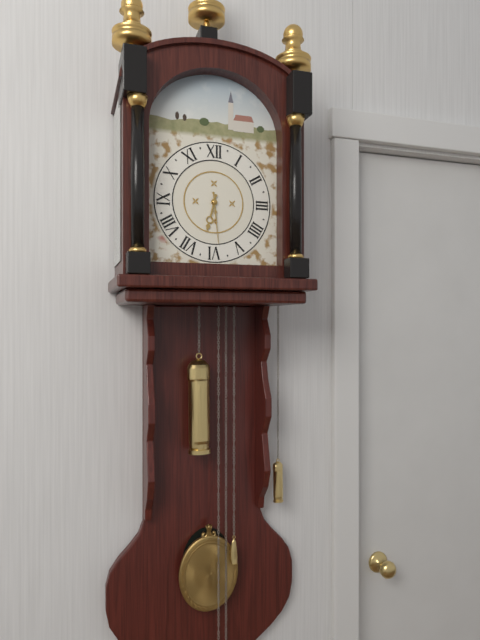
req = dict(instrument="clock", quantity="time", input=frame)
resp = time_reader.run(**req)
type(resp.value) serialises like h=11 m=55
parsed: h=6 m=29
